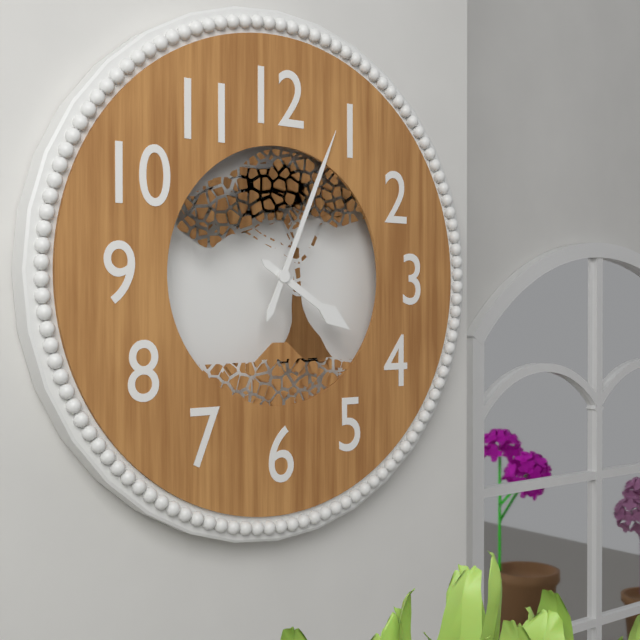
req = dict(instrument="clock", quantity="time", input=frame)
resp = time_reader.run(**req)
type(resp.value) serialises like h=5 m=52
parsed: h=4 m=4
